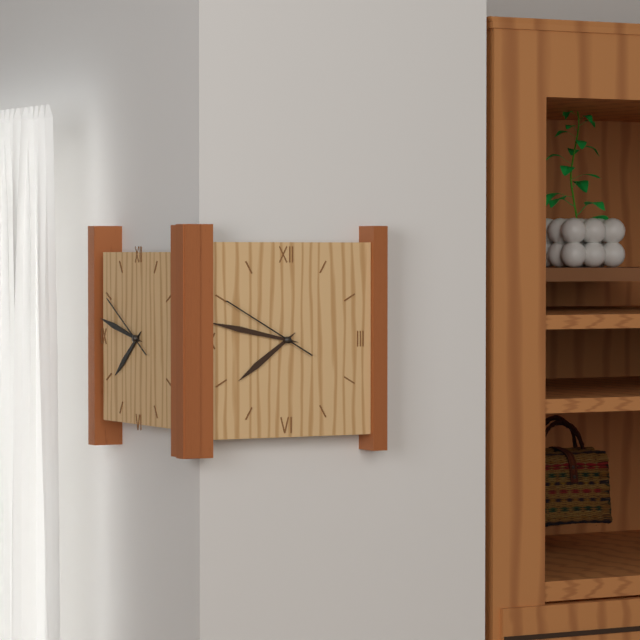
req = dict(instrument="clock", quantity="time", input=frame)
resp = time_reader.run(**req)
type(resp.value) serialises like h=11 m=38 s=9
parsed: h=7 m=47 s=50
